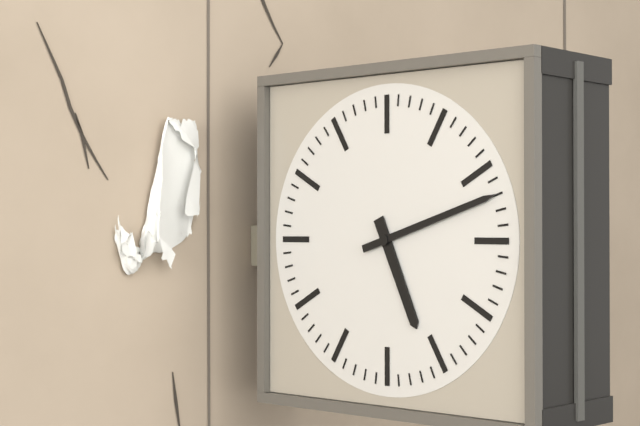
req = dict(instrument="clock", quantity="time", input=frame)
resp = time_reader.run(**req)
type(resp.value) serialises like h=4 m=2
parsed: h=5 m=12
